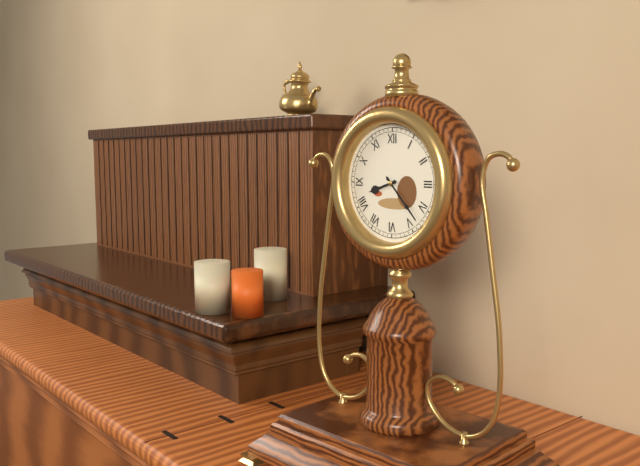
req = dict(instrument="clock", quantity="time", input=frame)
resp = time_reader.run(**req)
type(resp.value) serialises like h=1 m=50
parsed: h=8 m=23
